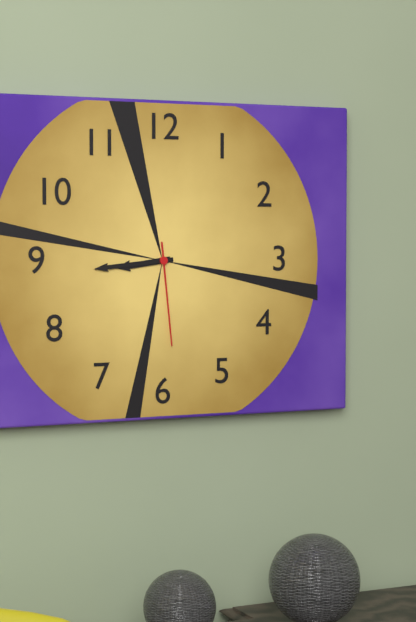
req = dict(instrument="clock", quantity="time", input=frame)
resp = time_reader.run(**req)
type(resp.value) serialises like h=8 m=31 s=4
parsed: h=8 m=44 s=29
